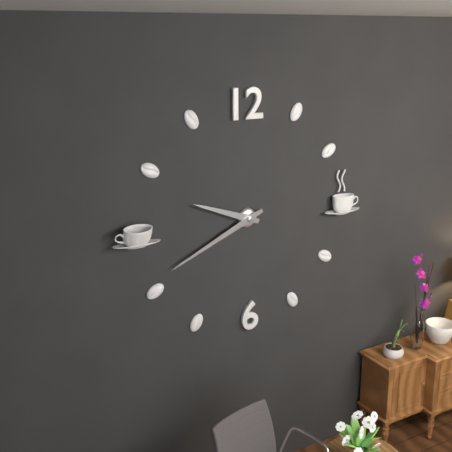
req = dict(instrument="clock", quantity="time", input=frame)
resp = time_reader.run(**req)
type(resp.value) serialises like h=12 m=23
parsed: h=9 m=41
